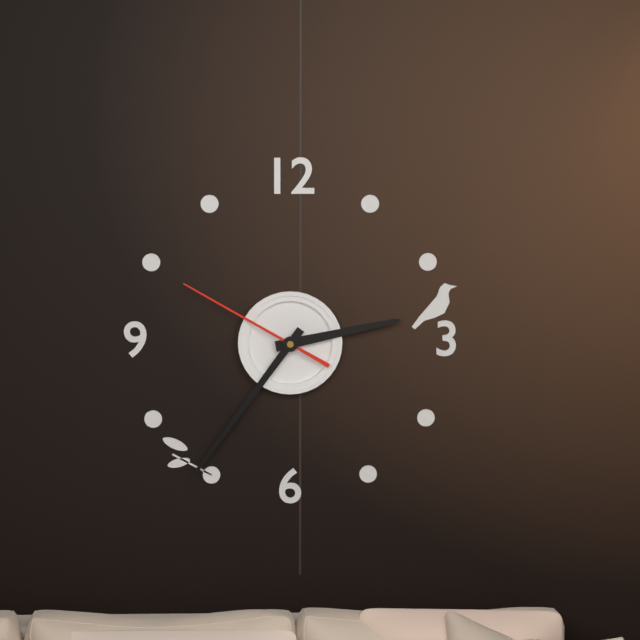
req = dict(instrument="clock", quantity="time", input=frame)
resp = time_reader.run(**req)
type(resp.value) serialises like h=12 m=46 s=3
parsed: h=2 m=36 s=50
